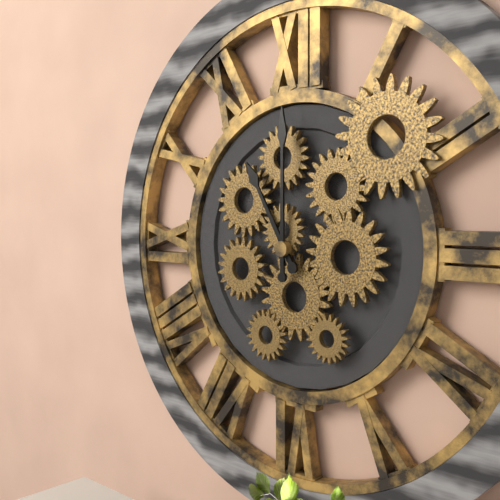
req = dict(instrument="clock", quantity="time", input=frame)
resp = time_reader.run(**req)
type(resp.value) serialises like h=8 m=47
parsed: h=11 m=0
